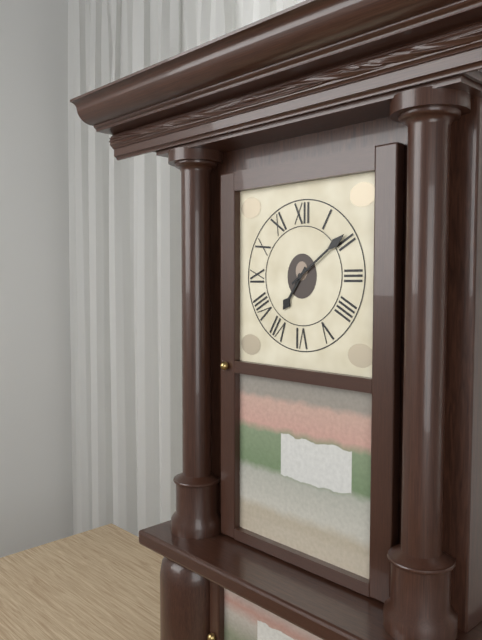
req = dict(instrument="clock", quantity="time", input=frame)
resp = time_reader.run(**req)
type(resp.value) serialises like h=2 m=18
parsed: h=7 m=9
